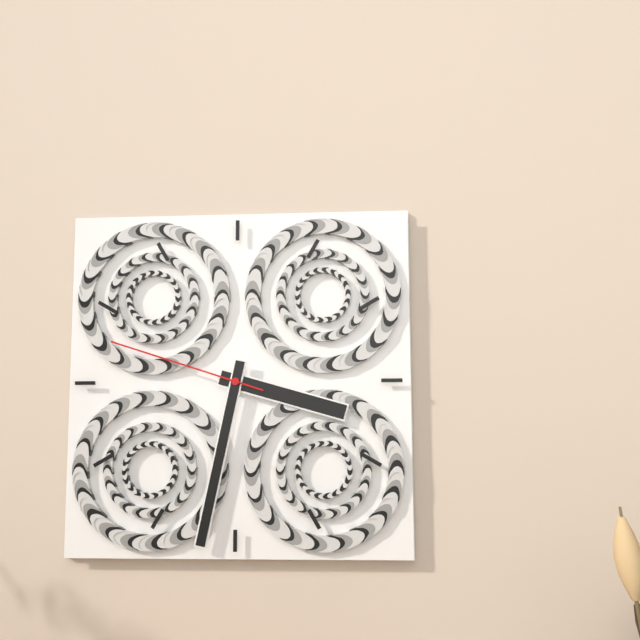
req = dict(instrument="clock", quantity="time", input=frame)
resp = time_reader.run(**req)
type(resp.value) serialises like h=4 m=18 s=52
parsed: h=3 m=32 s=48
